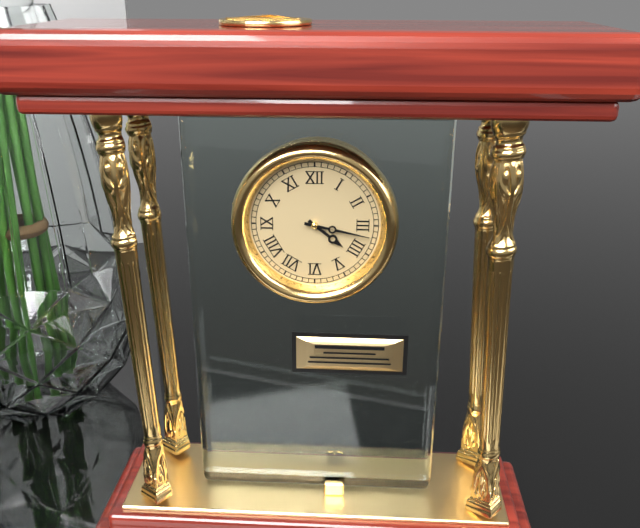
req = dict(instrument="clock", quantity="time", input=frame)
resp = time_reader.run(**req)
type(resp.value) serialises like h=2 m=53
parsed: h=4 m=17
